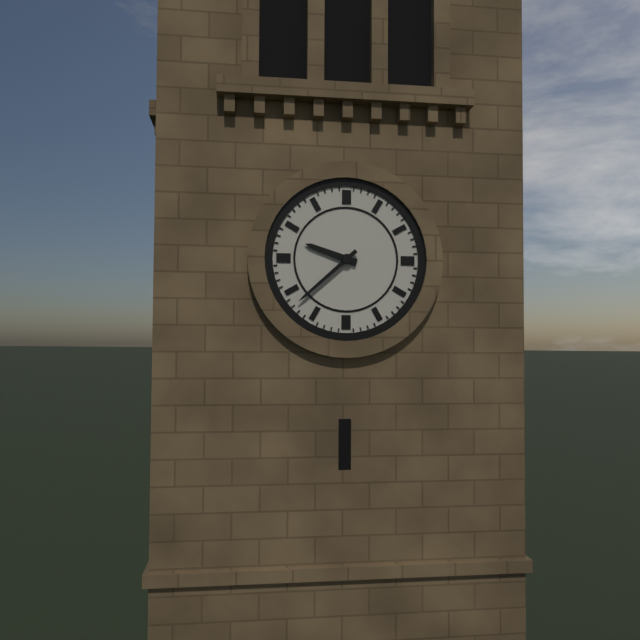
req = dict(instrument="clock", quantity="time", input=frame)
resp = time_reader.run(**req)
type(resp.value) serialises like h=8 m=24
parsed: h=9 m=38
